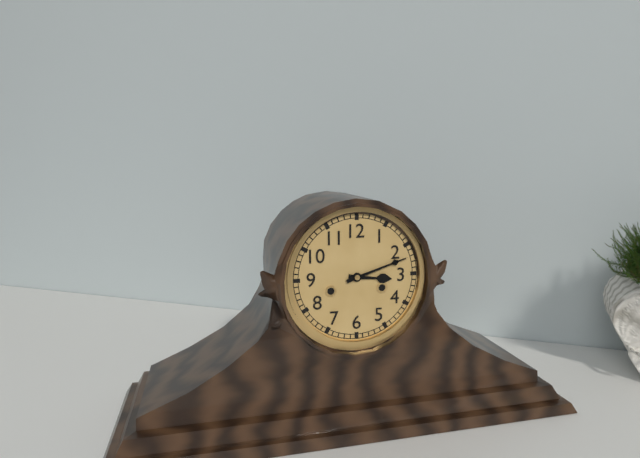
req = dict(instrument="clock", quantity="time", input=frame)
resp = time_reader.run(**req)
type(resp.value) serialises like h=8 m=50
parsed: h=3 m=12
